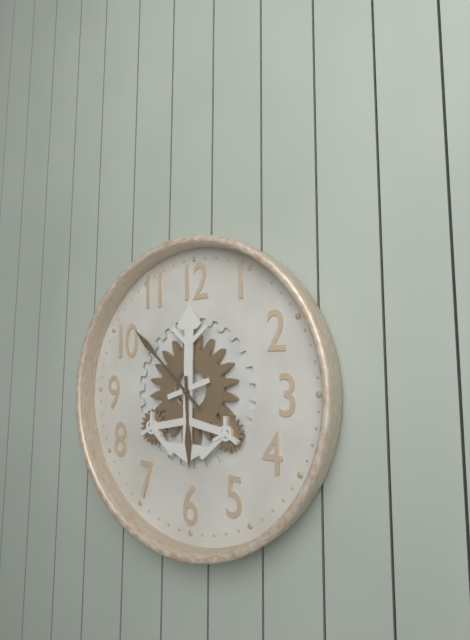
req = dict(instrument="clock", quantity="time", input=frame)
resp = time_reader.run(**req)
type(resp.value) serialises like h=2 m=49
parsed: h=5 m=52
